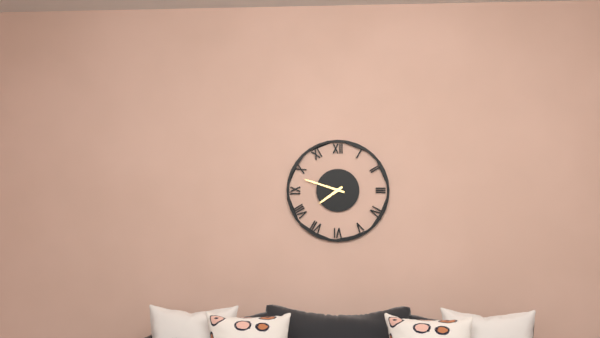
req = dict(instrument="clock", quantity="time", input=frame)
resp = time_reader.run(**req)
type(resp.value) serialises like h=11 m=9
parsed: h=7 m=48
